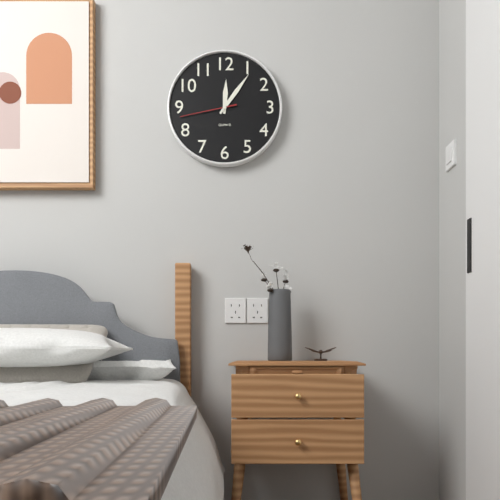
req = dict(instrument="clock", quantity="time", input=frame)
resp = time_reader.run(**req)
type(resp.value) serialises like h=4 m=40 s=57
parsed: h=12 m=6 s=43
